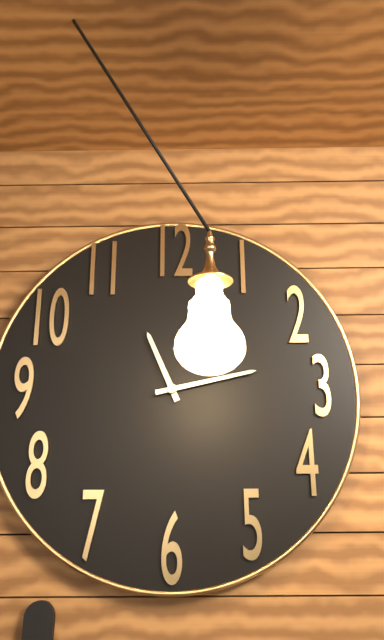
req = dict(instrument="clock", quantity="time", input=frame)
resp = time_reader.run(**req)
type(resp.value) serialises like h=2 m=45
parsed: h=11 m=13
